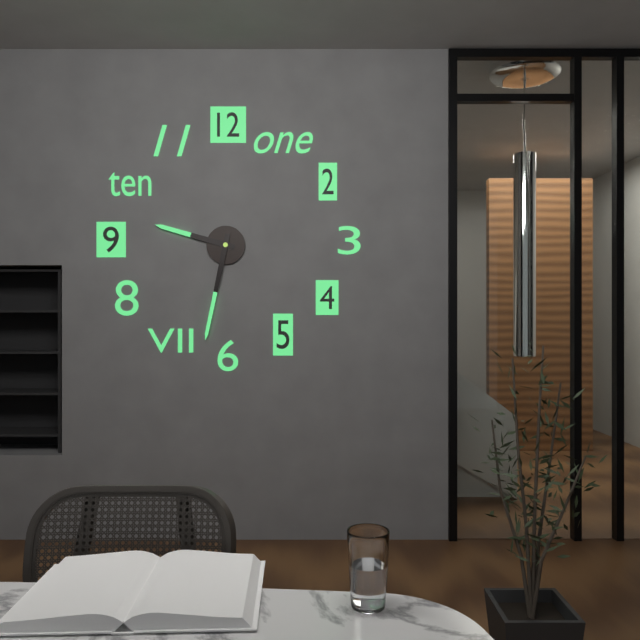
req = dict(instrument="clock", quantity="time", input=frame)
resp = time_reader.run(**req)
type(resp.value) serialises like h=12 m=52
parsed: h=9 m=32
